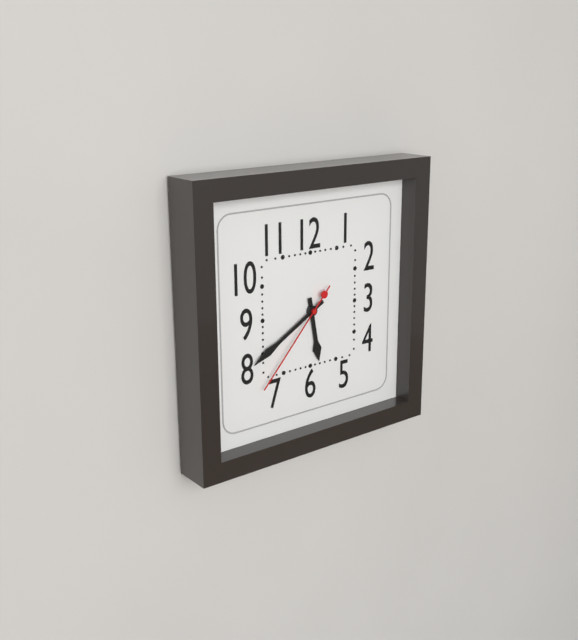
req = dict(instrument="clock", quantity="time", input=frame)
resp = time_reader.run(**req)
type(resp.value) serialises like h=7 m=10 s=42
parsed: h=5 m=40 s=37
